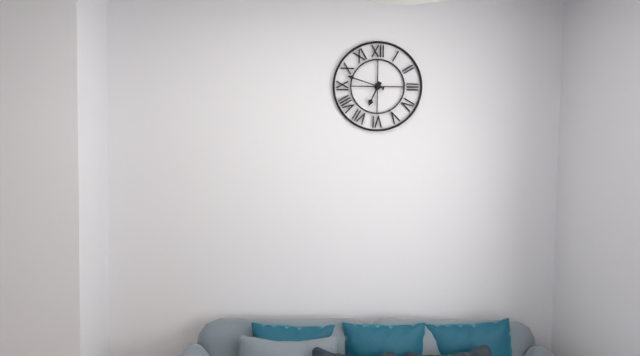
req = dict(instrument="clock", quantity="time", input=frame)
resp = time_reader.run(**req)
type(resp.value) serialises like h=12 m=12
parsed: h=6 m=48
